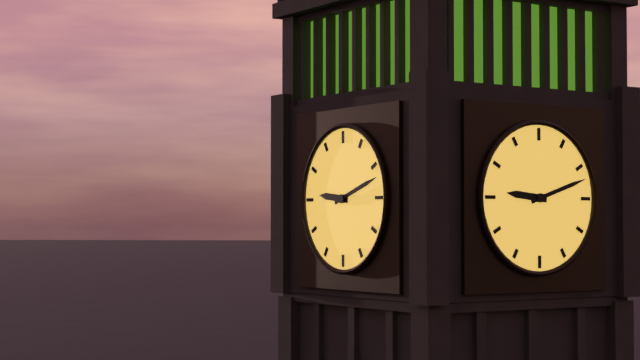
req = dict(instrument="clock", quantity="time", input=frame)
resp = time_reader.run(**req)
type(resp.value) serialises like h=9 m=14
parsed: h=9 m=12
